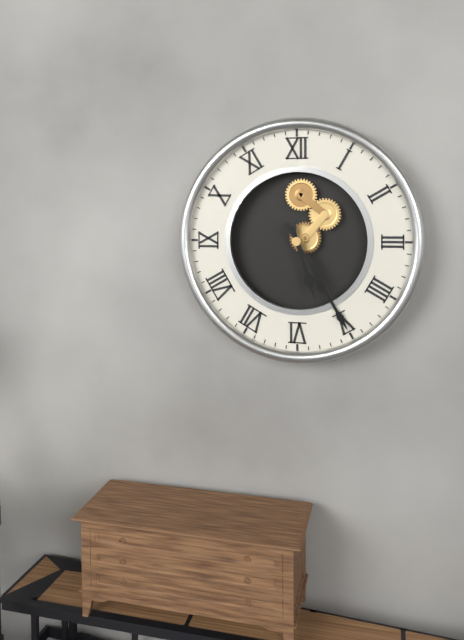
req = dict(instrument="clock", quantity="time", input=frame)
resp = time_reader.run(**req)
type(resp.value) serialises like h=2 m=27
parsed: h=5 m=25
